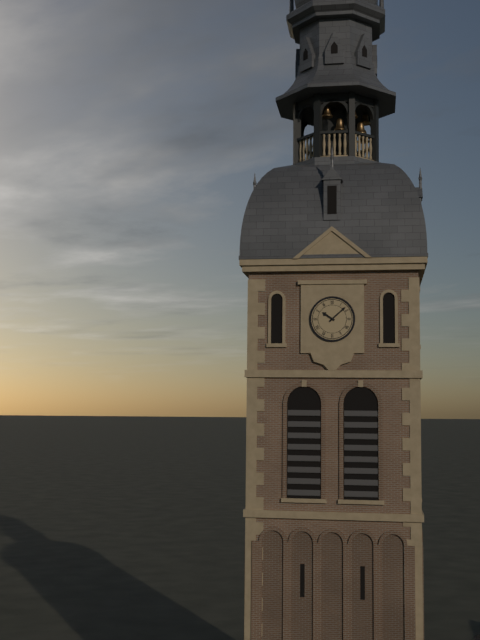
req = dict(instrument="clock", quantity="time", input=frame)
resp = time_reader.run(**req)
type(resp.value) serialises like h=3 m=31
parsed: h=10 m=8
